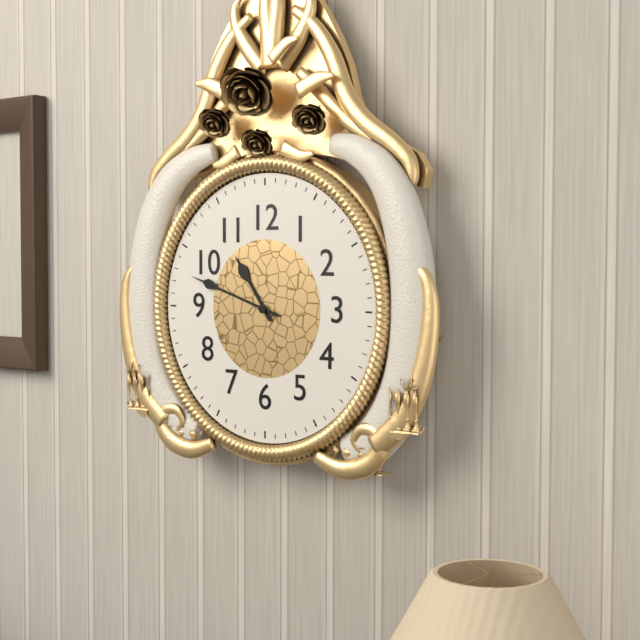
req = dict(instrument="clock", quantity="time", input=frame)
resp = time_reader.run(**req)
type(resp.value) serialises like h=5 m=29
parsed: h=10 m=48
